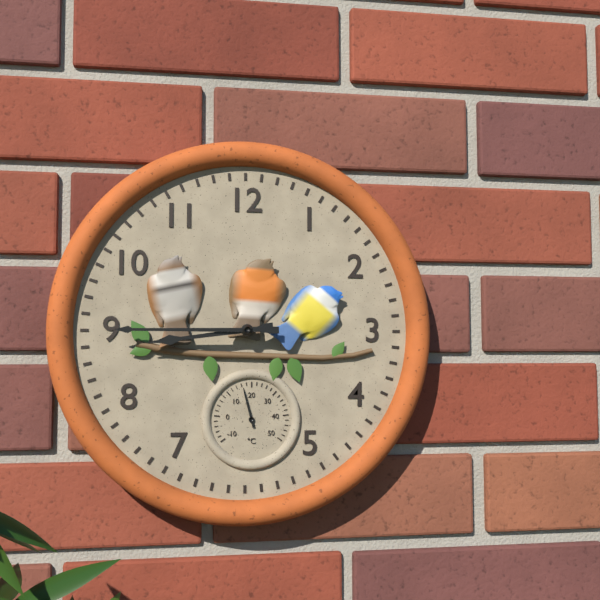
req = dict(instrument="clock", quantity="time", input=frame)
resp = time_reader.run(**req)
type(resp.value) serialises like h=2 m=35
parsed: h=8 m=45
